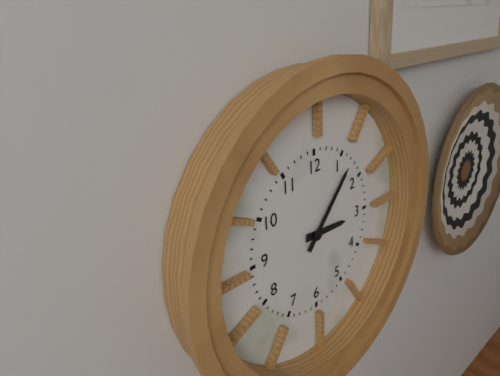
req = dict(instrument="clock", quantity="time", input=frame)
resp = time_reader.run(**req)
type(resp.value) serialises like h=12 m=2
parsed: h=3 m=7
